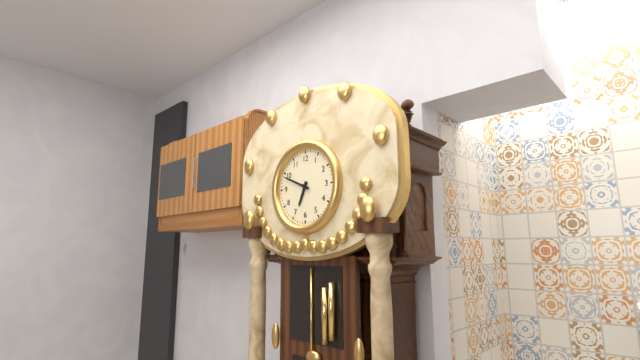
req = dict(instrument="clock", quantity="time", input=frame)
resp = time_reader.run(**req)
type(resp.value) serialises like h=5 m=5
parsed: h=6 m=49
